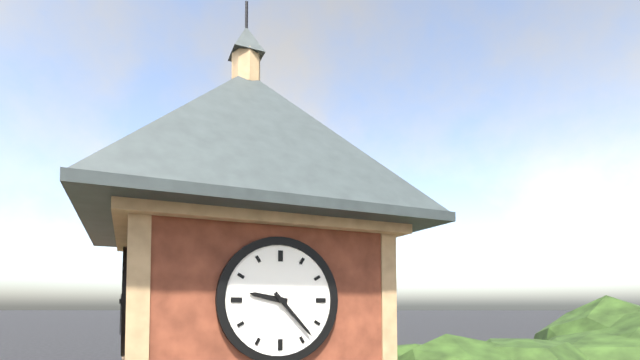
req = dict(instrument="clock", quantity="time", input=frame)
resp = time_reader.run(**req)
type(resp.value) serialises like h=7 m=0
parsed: h=9 m=23
